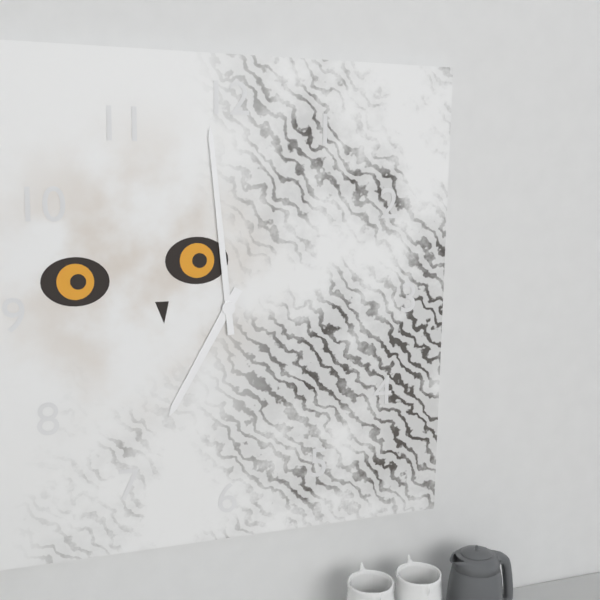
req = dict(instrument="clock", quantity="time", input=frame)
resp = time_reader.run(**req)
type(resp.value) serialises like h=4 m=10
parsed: h=6 m=59
